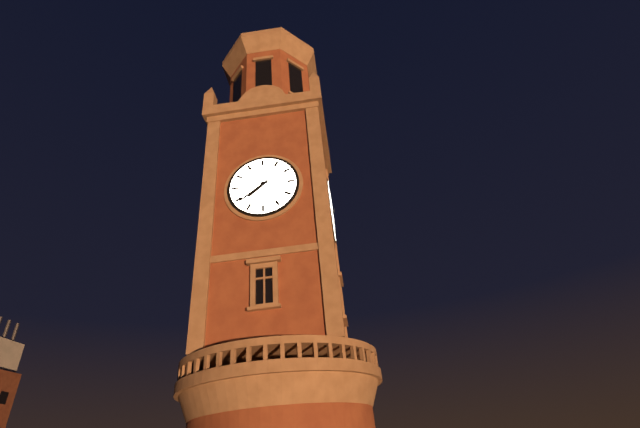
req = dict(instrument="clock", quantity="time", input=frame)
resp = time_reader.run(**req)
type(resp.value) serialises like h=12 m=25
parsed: h=7 m=39
